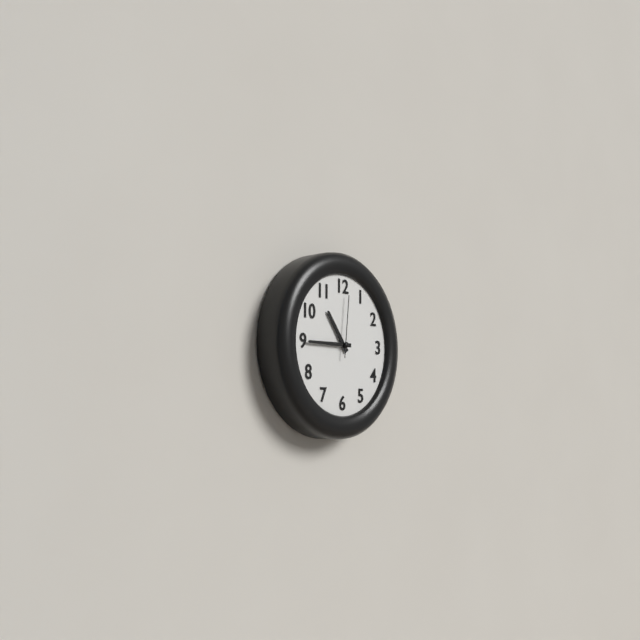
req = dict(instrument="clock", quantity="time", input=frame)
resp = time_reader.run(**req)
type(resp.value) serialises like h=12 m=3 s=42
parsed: h=10 m=45 s=1
